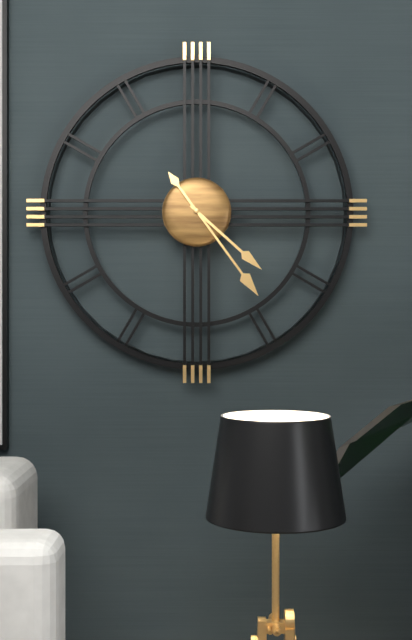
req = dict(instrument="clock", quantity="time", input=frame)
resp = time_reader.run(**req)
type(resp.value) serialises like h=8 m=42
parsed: h=4 m=24
